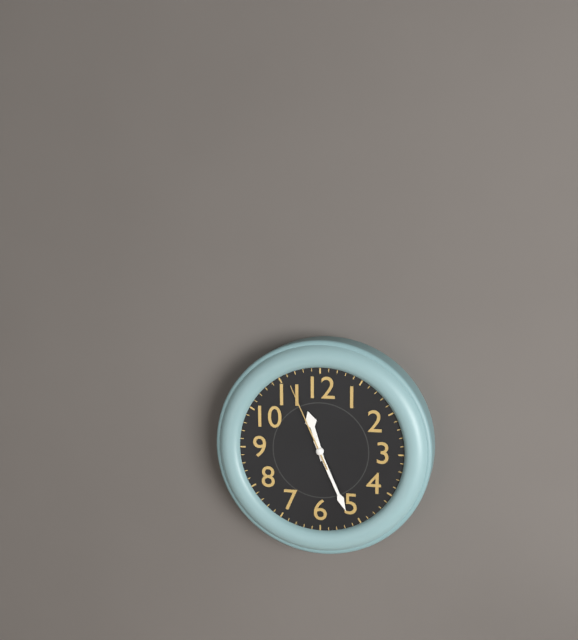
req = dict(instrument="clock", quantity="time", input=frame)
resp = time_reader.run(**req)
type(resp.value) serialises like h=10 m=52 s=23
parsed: h=11 m=26 s=56
